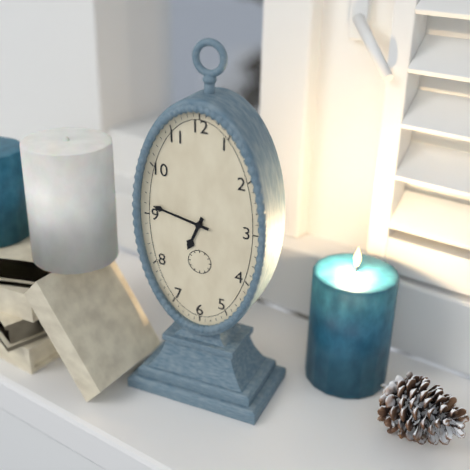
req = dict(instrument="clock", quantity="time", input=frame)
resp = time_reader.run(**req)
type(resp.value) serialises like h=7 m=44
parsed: h=6 m=47
